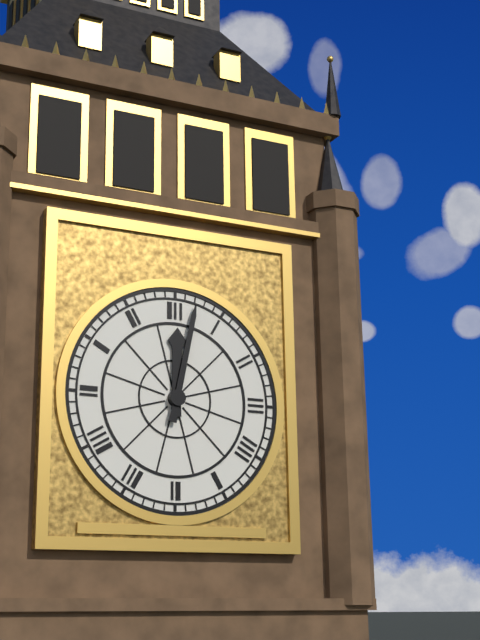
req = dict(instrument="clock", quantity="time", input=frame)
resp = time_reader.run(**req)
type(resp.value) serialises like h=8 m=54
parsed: h=12 m=2
